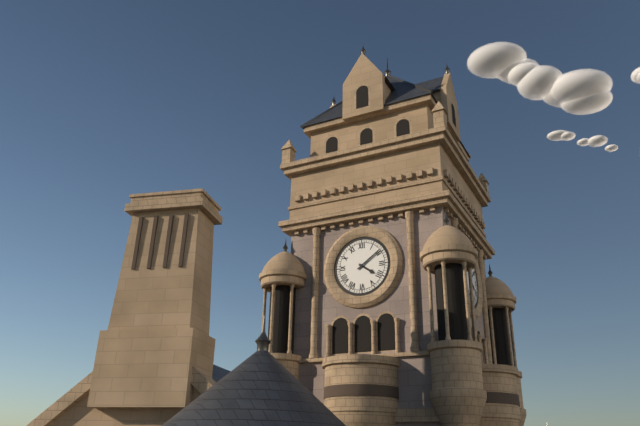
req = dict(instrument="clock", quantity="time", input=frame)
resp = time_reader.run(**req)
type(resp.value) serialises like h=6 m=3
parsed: h=4 m=9
